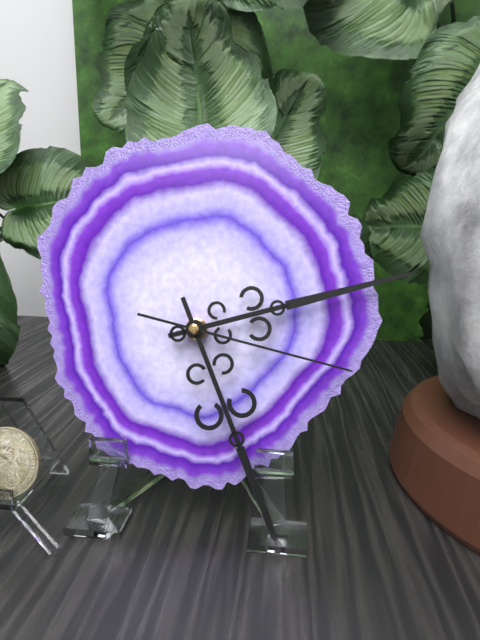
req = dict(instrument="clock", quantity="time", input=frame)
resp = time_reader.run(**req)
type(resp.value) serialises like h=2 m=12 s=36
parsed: h=2 m=26 s=17
